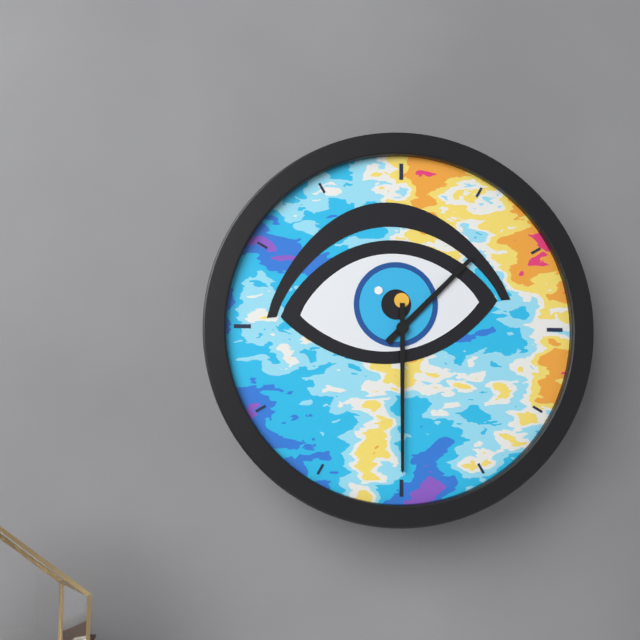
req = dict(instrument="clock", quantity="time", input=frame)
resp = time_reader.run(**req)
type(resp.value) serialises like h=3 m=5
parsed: h=1 m=30
